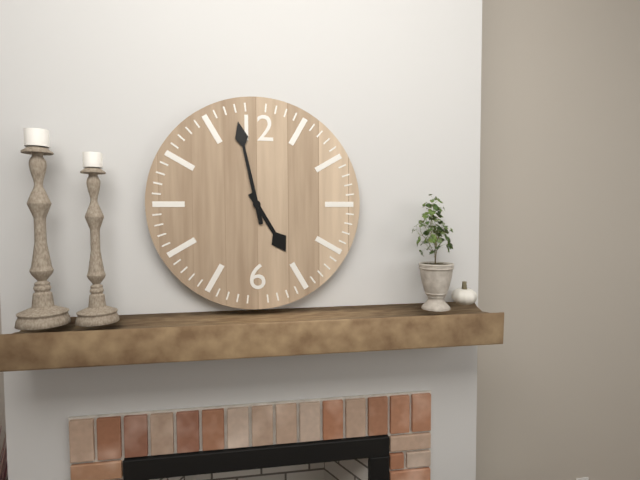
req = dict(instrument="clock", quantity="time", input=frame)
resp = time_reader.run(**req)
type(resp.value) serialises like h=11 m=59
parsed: h=4 m=58
